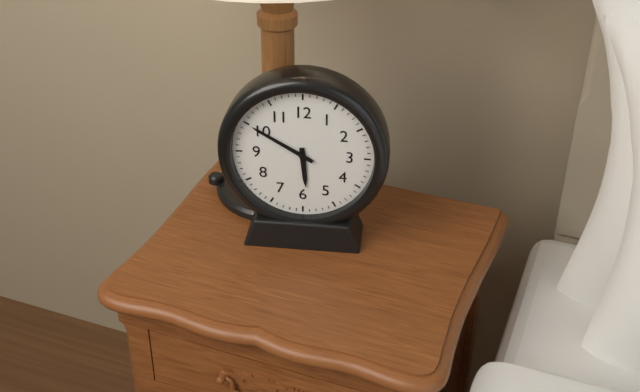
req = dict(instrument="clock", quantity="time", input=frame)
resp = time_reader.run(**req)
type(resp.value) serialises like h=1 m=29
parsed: h=5 m=50
